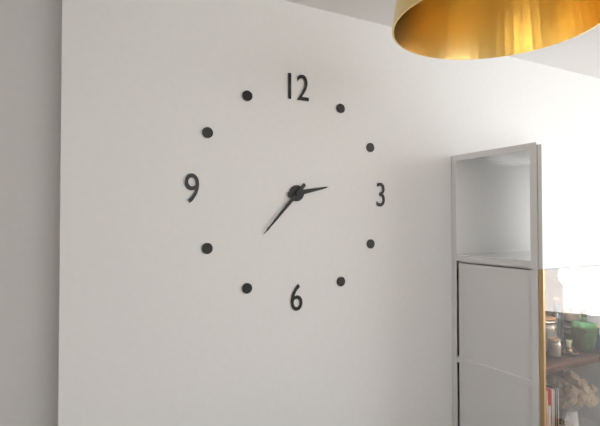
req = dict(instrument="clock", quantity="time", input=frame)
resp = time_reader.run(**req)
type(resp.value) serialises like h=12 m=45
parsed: h=2 m=37
